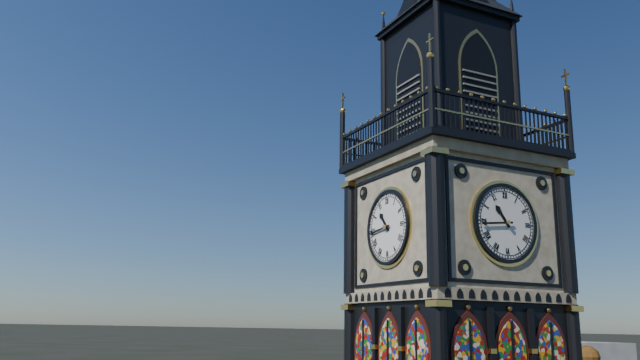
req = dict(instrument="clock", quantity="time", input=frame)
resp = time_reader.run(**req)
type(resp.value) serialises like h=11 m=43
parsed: h=10 m=44
